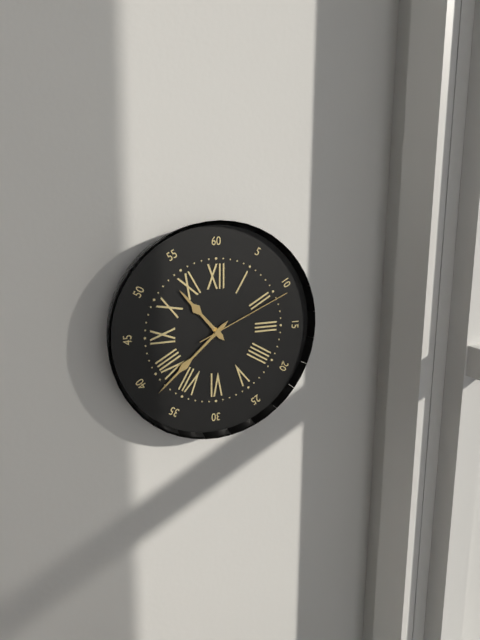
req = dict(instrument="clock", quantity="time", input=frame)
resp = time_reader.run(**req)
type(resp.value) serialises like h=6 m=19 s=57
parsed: h=10 m=38 s=11
